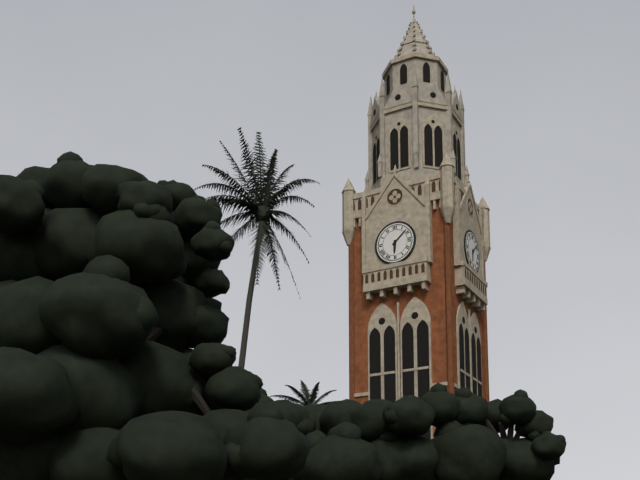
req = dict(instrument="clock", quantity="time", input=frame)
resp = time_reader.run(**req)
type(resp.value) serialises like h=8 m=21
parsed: h=6 m=8
